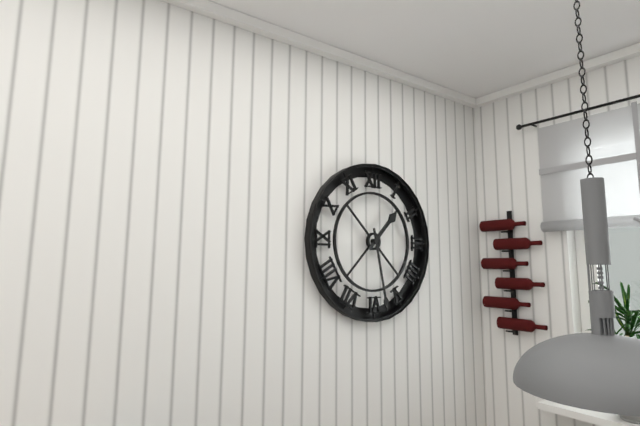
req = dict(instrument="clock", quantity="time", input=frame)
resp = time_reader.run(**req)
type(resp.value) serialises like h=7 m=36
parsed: h=1 m=28
